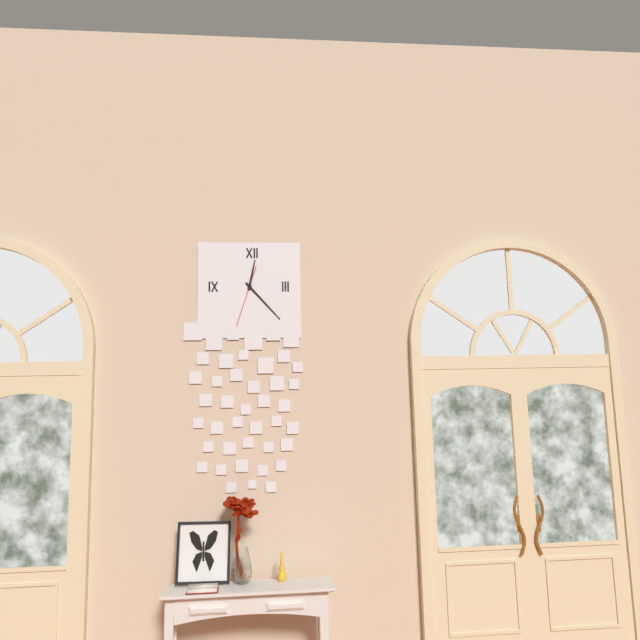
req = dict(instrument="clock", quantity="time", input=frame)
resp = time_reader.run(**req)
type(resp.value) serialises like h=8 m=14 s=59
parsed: h=12 m=23 s=33
